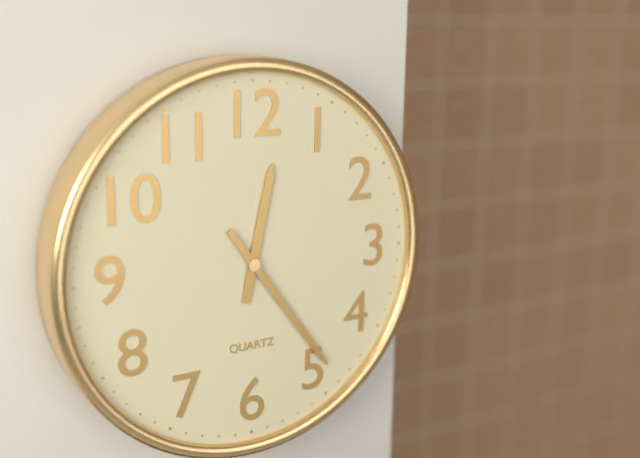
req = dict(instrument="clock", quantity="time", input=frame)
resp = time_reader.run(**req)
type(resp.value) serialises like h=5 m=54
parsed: h=12 m=24
